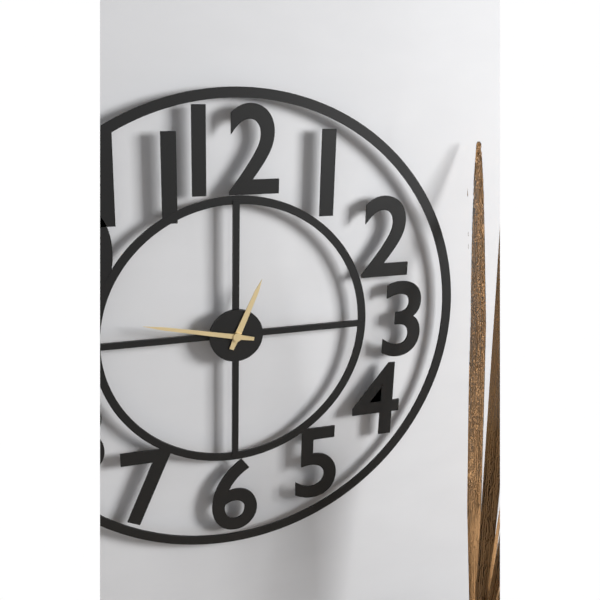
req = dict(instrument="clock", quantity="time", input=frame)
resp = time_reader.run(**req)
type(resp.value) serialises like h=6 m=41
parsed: h=12 m=47
